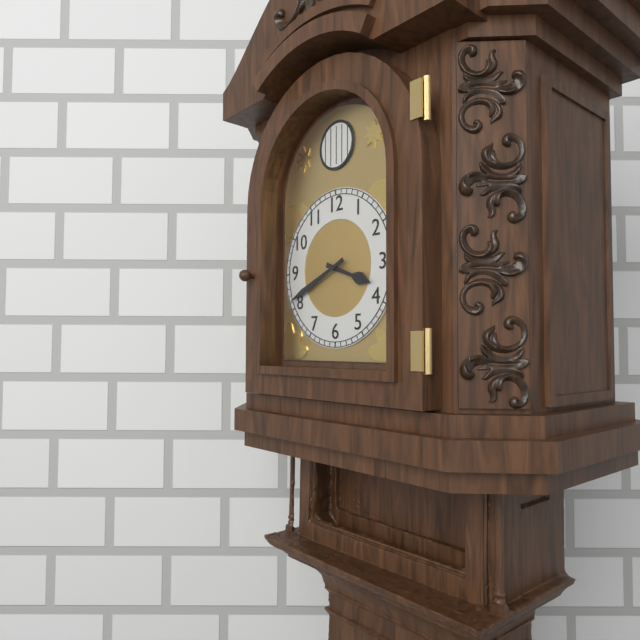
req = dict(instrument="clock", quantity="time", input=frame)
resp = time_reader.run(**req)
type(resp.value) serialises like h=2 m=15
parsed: h=3 m=41
